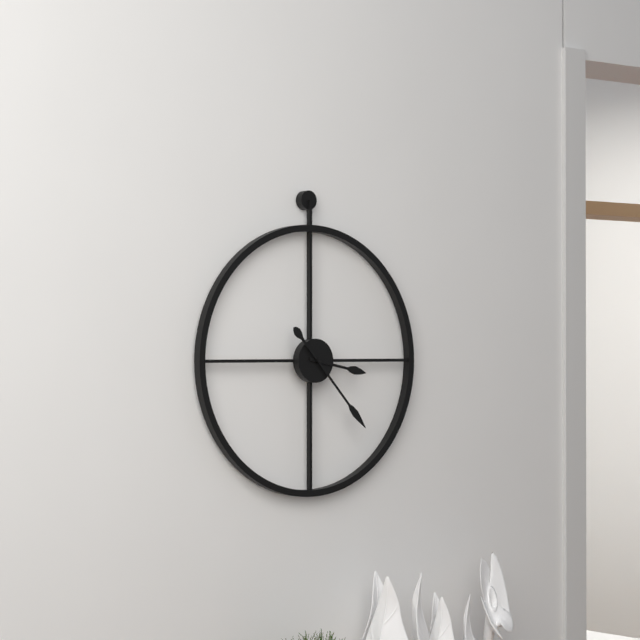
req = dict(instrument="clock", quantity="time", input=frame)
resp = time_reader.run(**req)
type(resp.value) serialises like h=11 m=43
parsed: h=3 m=23
